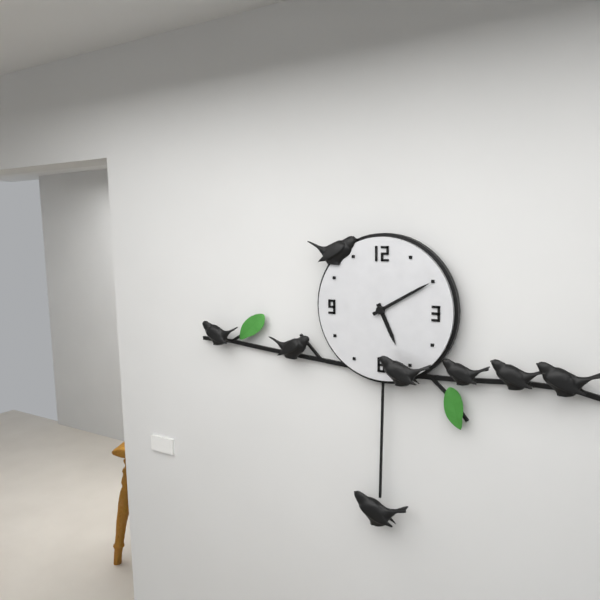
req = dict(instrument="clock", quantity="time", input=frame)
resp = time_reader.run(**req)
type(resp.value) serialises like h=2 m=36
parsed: h=5 m=10
